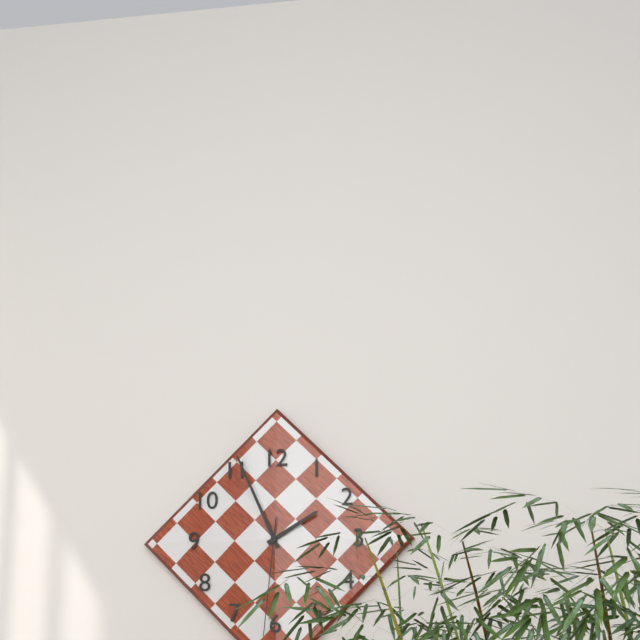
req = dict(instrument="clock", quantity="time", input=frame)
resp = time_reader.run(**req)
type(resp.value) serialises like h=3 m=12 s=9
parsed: h=1 m=56 s=31
